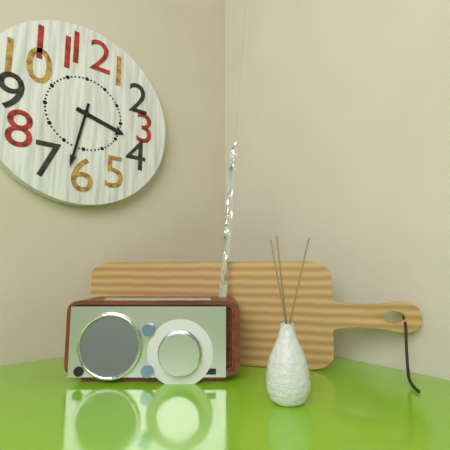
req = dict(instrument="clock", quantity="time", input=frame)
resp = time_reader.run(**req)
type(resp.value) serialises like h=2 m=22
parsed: h=3 m=32
